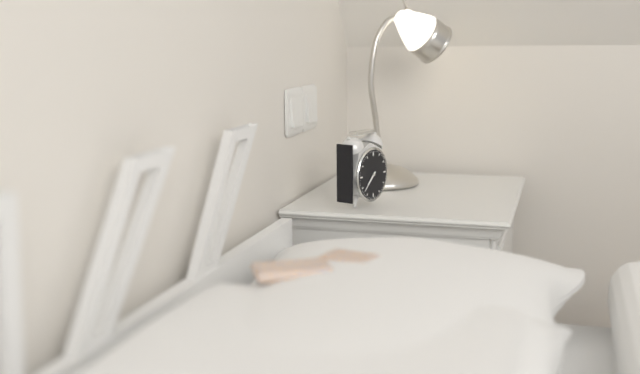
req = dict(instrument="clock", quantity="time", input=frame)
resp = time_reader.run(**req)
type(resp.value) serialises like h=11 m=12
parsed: h=7 m=38
